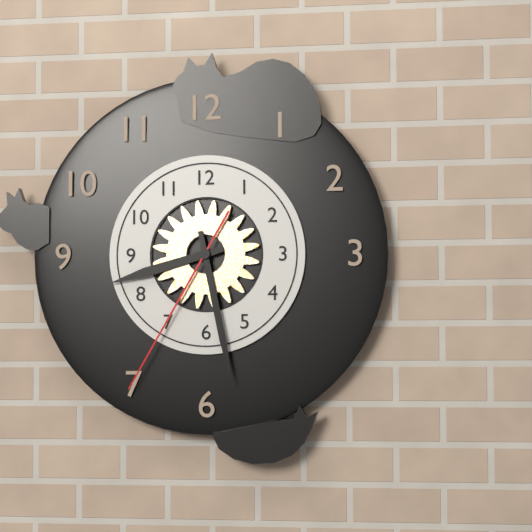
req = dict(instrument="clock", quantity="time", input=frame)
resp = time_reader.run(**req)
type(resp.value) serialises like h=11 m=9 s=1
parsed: h=8 m=28 s=35
